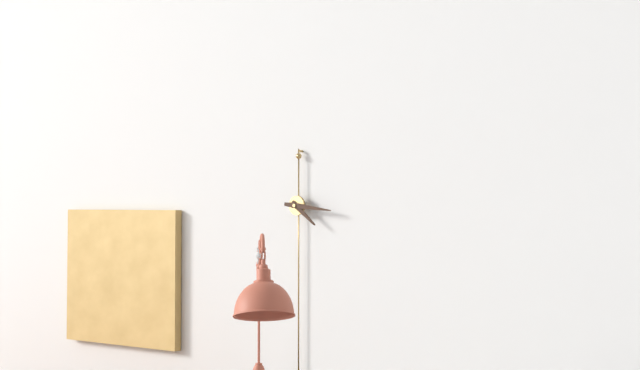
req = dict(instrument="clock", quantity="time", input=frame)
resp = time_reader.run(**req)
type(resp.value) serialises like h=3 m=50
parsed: h=4 m=16
